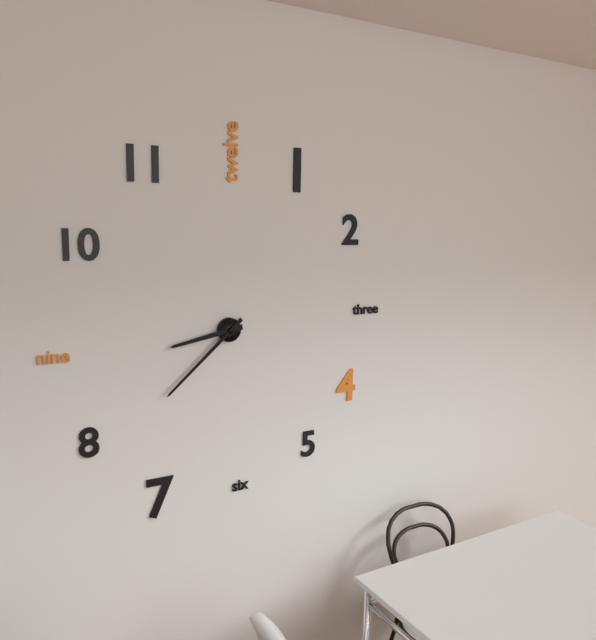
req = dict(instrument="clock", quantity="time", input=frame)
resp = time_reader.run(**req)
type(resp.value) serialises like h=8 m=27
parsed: h=8 m=38
